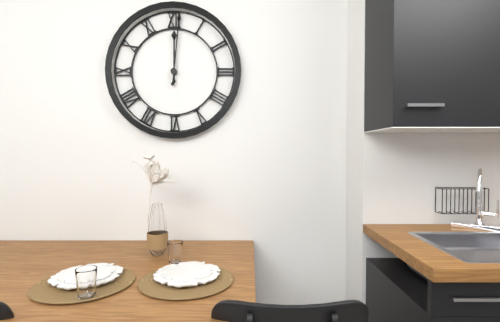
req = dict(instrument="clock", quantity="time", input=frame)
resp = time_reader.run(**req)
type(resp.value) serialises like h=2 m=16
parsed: h=12 m=1
